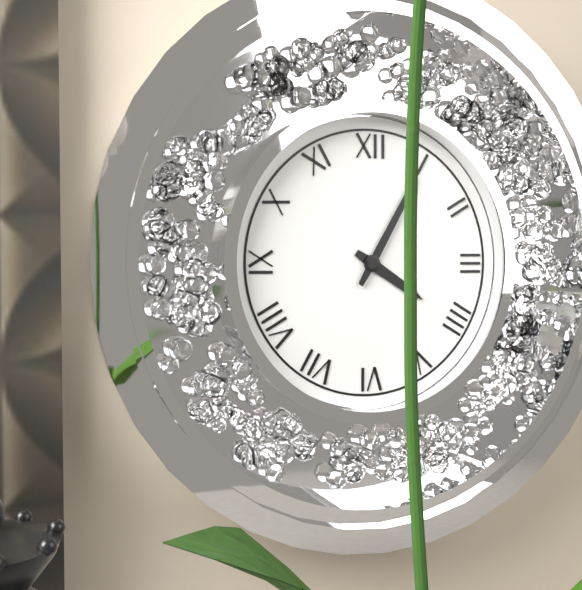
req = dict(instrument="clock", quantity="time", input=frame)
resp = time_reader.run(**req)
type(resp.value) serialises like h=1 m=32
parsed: h=4 m=5
